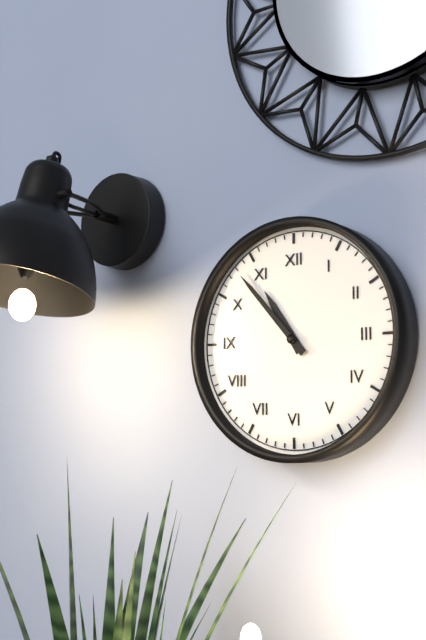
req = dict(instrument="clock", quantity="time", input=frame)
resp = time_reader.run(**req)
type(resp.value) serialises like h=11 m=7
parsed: h=10 m=53
